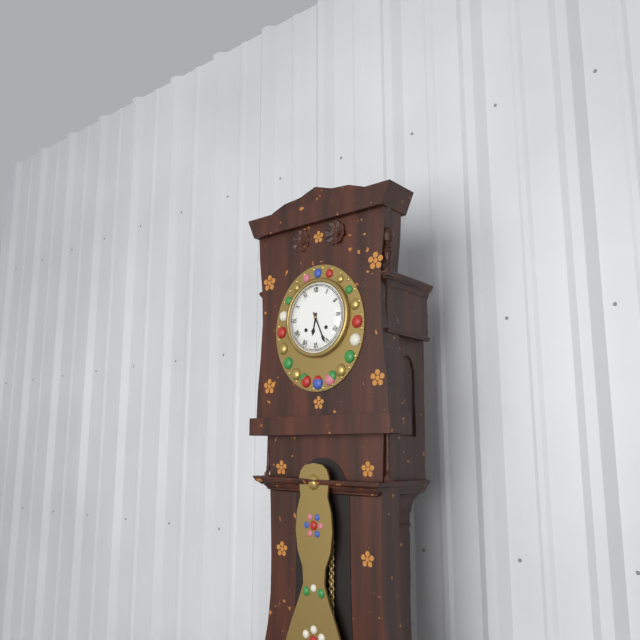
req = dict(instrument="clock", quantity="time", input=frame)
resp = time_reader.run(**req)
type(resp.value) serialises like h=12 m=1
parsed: h=6 m=26
